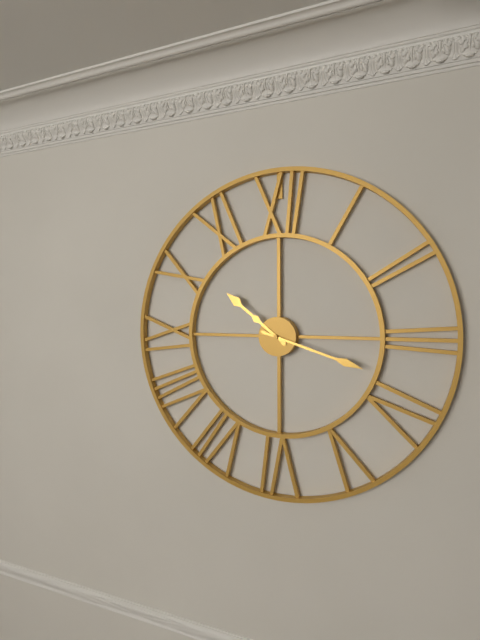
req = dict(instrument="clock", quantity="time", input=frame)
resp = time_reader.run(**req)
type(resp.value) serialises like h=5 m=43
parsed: h=10 m=18
